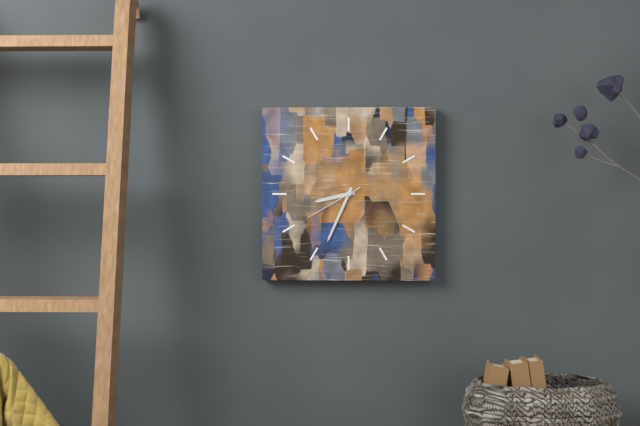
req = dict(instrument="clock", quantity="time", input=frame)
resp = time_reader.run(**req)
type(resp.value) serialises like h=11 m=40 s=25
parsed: h=8 m=34 s=40
